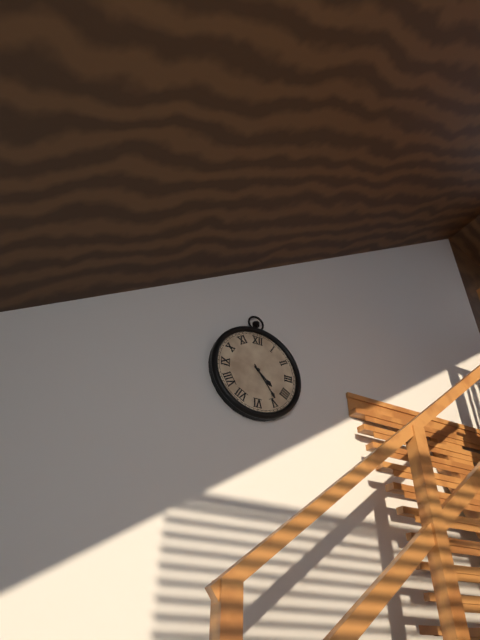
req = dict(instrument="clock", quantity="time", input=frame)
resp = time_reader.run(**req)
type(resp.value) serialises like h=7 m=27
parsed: h=4 m=24
